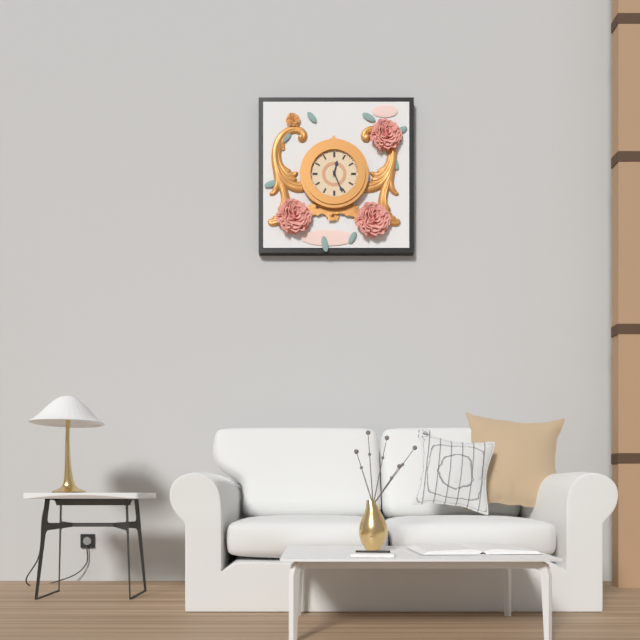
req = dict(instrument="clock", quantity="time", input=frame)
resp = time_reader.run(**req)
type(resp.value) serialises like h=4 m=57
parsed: h=12 m=26
